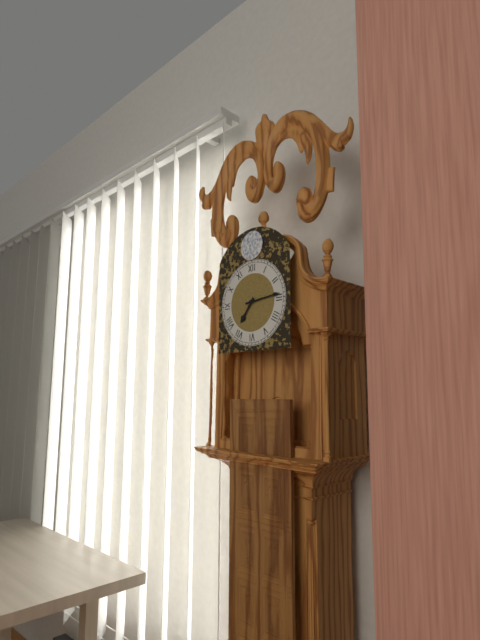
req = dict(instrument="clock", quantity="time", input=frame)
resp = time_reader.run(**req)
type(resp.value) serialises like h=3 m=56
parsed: h=7 m=14
